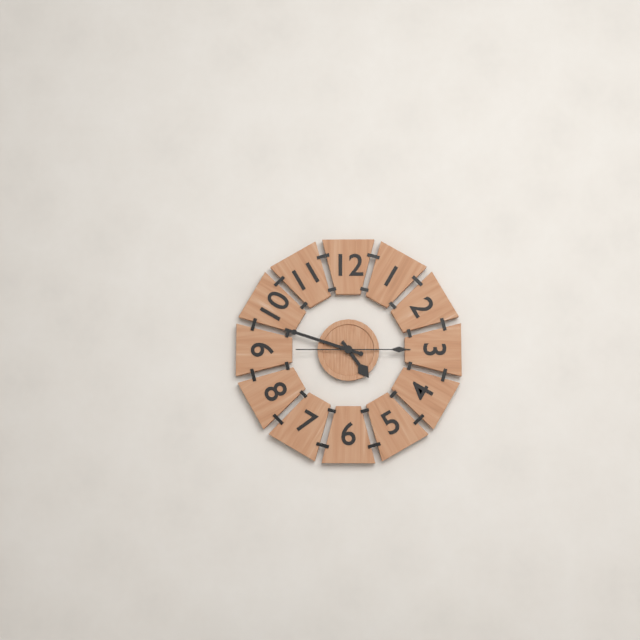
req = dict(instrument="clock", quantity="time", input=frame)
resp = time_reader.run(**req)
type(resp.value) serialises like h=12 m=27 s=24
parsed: h=4 m=48 s=15
